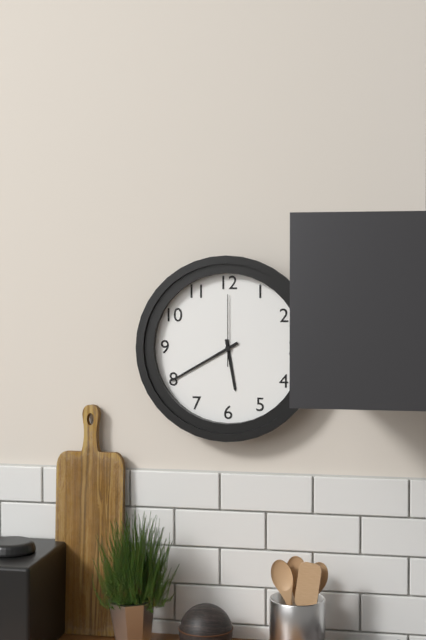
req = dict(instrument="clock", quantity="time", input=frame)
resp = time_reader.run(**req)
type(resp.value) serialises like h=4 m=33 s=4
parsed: h=5 m=40 s=0
